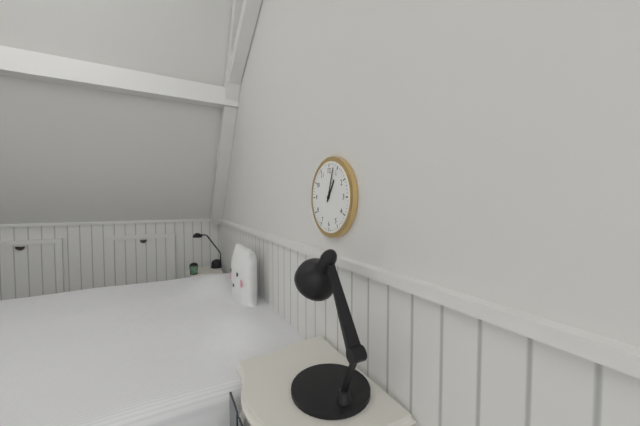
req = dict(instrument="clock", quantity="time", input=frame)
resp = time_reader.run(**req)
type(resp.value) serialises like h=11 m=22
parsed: h=1 m=3
